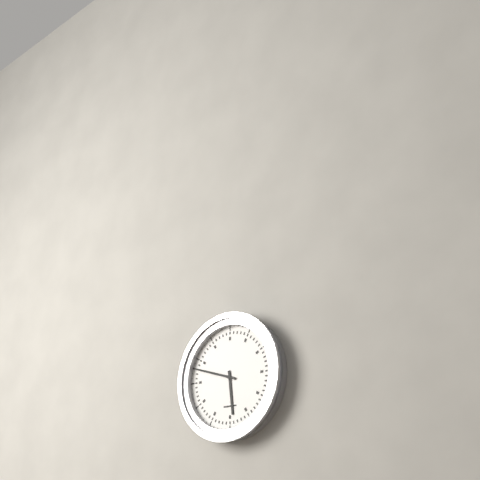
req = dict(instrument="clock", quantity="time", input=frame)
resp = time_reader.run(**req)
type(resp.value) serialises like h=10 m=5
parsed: h=5 m=48
